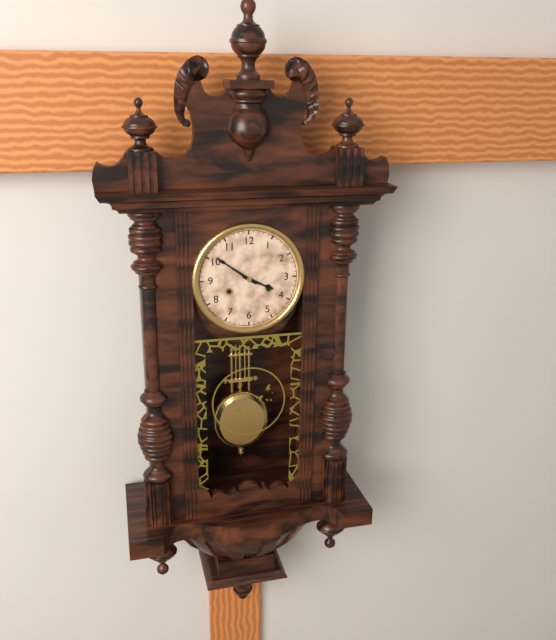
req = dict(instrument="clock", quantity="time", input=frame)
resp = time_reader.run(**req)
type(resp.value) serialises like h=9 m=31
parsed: h=3 m=51
